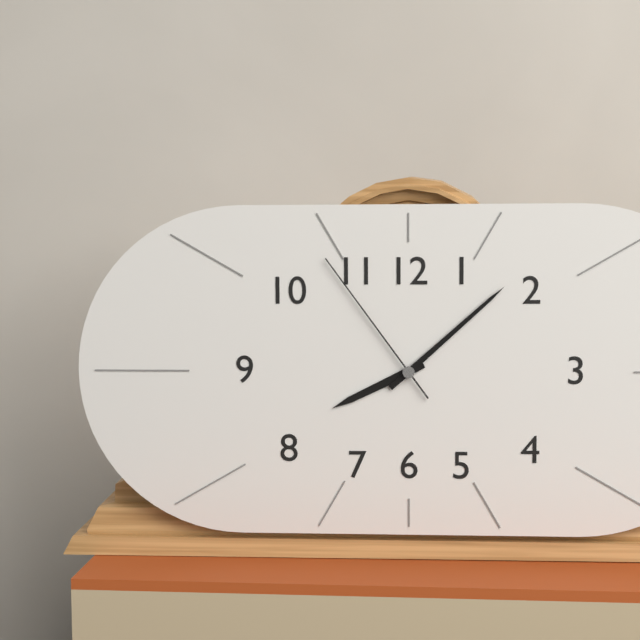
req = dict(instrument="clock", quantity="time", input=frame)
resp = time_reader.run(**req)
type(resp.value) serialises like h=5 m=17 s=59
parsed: h=8 m=8 s=54
